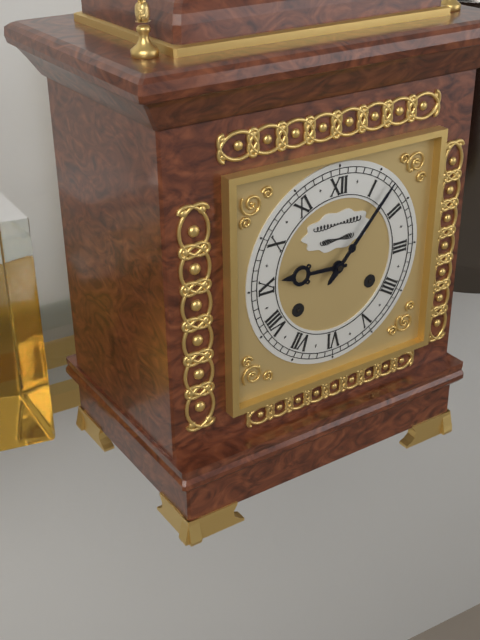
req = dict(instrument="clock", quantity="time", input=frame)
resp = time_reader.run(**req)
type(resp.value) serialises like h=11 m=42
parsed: h=9 m=7
